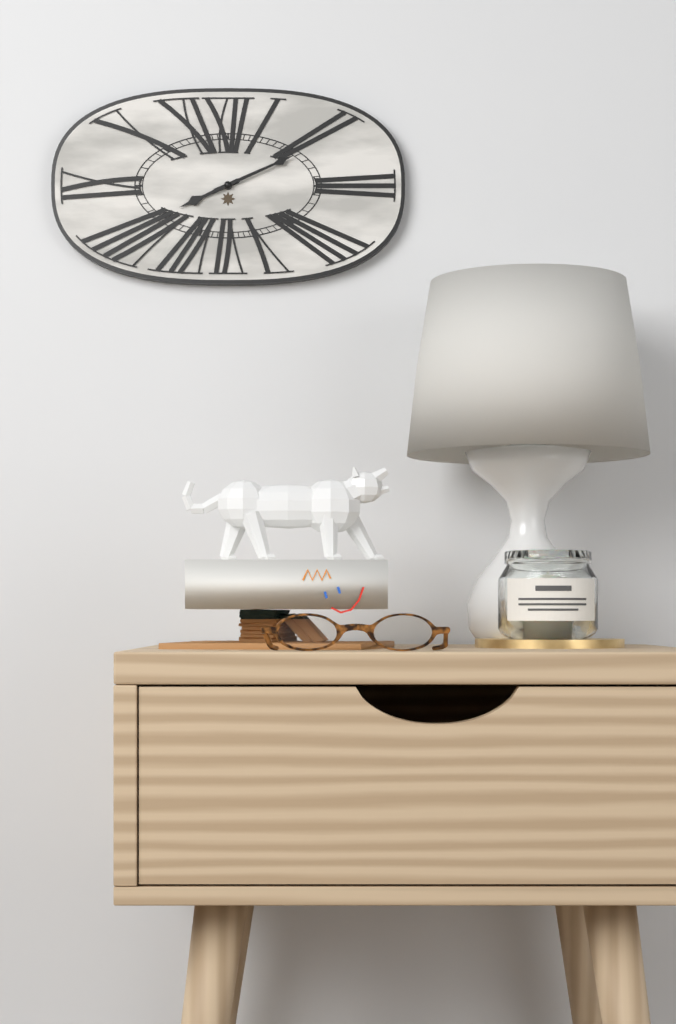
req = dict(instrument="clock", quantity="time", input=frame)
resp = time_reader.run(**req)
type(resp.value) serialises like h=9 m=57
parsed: h=8 m=11
